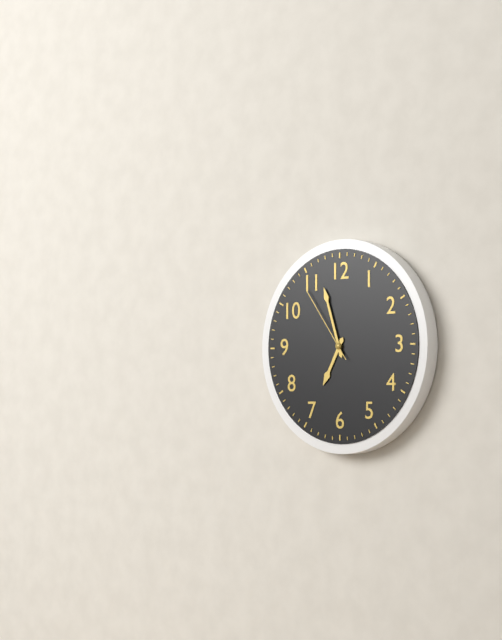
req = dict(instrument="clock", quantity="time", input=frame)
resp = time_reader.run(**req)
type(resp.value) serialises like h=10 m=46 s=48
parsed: h=6 m=57 s=54
